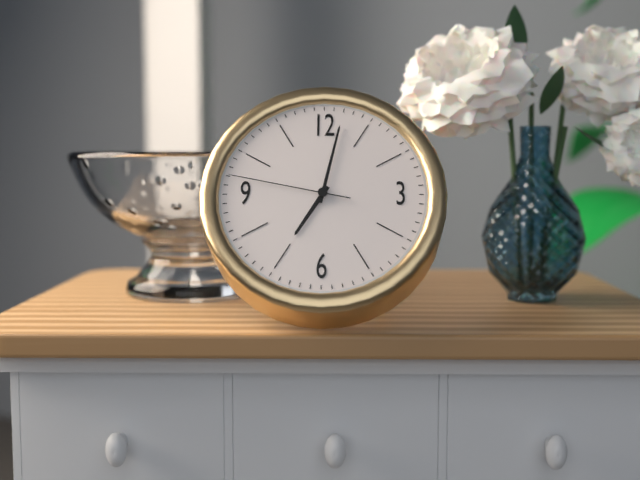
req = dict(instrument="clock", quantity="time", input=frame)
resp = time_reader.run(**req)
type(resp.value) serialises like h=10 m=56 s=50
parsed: h=7 m=2 s=47
